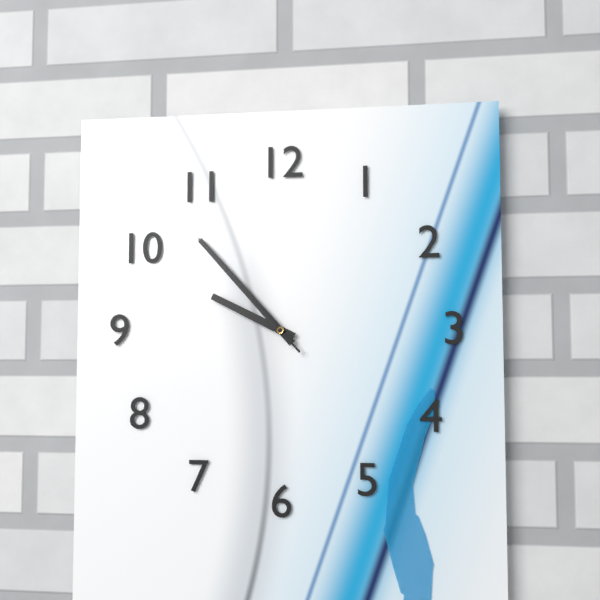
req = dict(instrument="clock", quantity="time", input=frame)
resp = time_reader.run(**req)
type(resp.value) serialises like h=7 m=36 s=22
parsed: h=9 m=53 s=53
